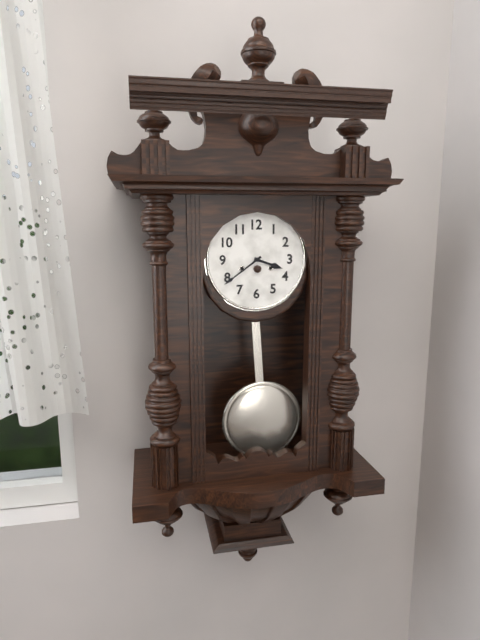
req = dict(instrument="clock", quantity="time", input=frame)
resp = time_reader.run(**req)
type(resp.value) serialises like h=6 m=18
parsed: h=3 m=39
